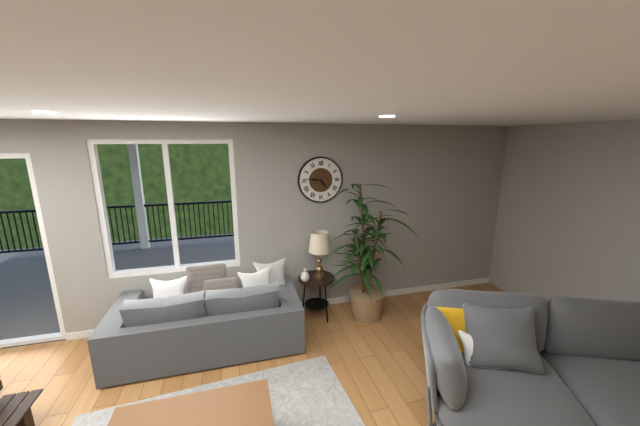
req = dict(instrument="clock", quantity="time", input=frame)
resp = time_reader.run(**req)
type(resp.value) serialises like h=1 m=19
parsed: h=4 m=46
